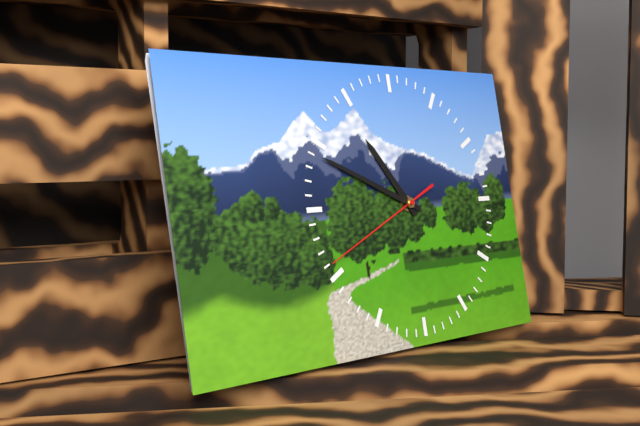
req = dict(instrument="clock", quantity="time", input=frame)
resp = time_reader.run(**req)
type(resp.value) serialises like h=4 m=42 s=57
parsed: h=10 m=49 s=41
